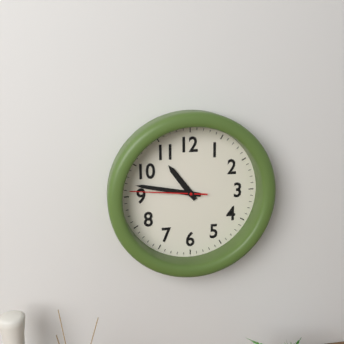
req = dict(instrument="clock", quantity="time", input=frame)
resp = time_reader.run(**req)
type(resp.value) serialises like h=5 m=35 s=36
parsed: h=10 m=47 s=46
